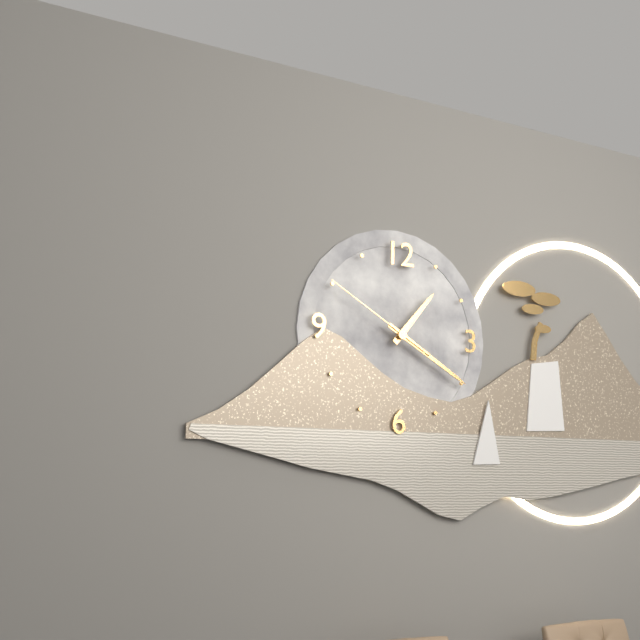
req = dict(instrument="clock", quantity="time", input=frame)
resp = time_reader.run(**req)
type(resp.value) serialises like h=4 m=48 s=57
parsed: h=1 m=20 s=50
